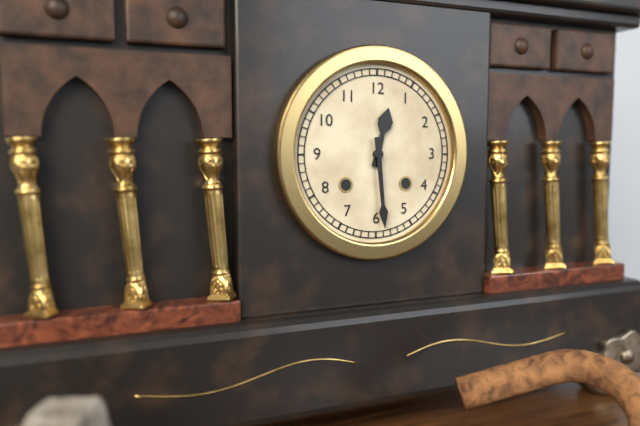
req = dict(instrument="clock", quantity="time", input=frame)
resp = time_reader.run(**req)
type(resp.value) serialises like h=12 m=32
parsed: h=12 m=29
